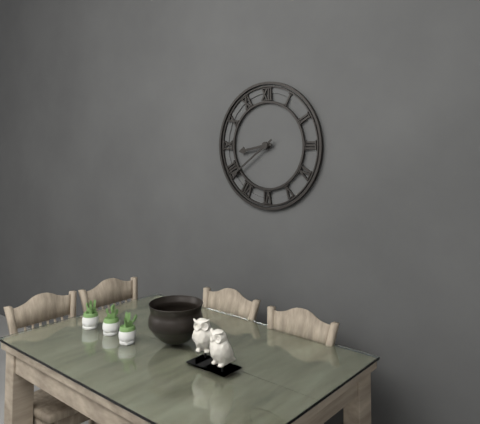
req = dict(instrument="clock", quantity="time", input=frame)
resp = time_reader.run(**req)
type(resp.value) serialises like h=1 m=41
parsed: h=8 m=39
